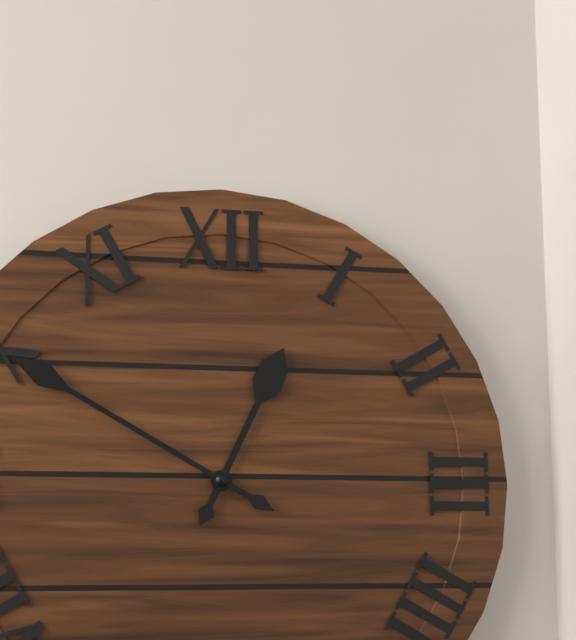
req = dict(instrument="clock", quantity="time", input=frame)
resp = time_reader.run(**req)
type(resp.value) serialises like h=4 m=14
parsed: h=12 m=50
